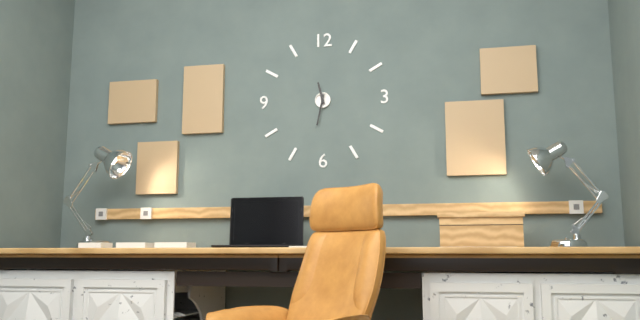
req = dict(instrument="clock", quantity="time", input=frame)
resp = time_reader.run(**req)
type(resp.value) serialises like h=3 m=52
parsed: h=11 m=32
